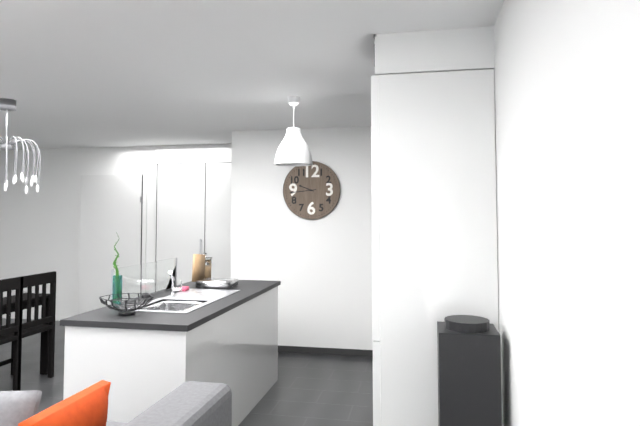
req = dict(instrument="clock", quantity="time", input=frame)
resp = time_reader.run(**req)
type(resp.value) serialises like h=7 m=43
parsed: h=9 m=44
